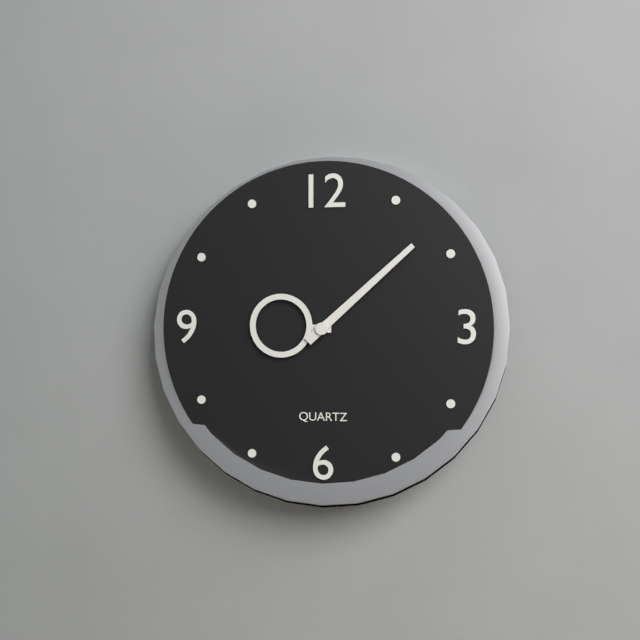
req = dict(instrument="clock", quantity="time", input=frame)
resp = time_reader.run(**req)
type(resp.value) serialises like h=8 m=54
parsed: h=9 m=8
